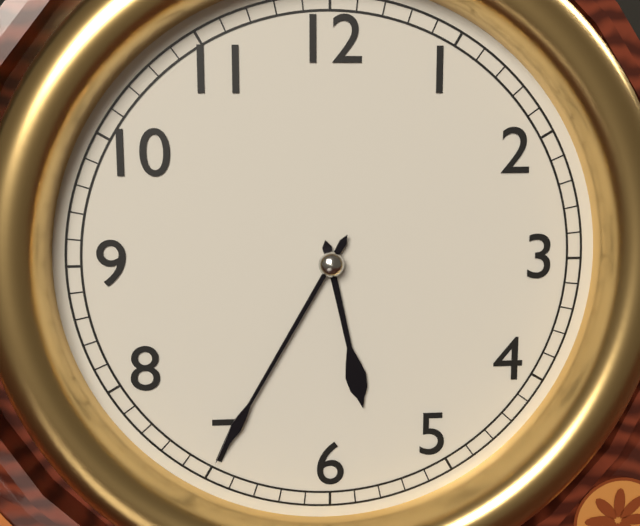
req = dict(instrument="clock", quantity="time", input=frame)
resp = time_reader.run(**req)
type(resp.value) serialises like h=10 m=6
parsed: h=5 m=35
